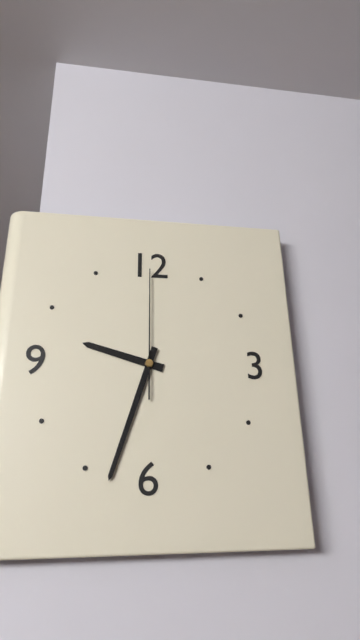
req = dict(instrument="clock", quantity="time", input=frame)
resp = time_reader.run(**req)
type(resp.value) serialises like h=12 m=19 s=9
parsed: h=9 m=33 s=0
